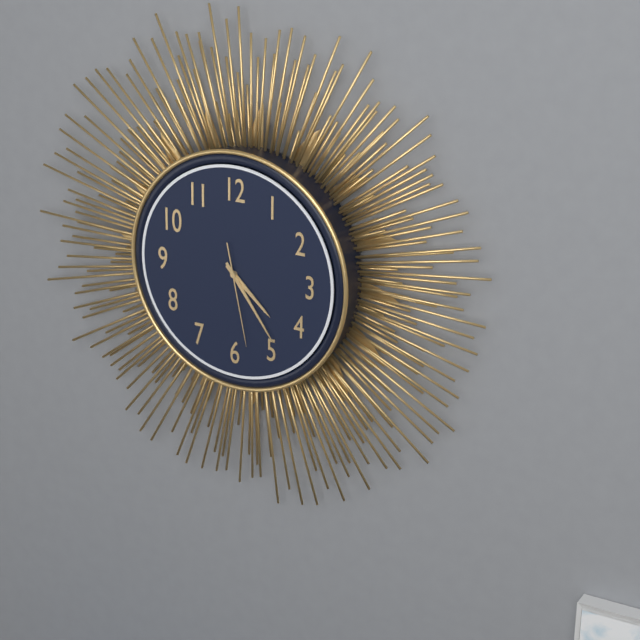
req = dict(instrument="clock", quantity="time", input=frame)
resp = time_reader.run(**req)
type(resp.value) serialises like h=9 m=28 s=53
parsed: h=4 m=24 s=28
